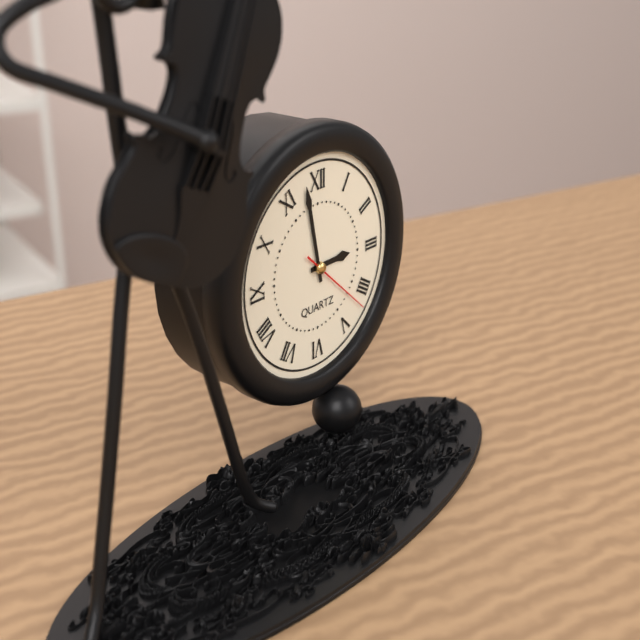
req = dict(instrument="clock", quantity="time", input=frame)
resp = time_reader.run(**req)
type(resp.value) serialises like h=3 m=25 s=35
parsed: h=2 m=58 s=22
